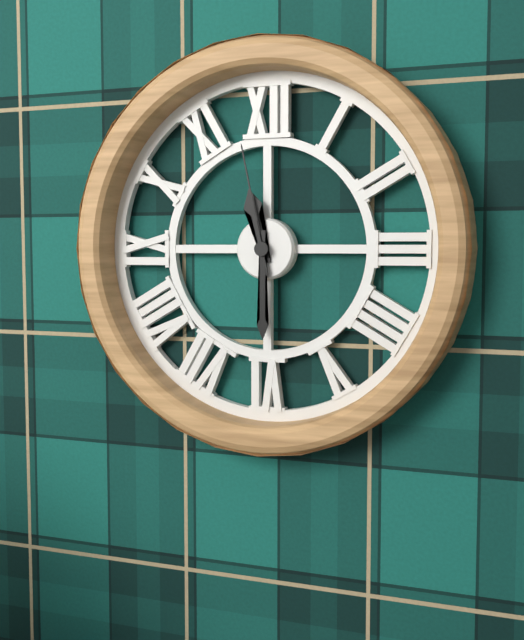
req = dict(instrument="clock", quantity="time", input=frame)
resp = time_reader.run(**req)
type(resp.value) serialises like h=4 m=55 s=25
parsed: h=11 m=30 s=58
